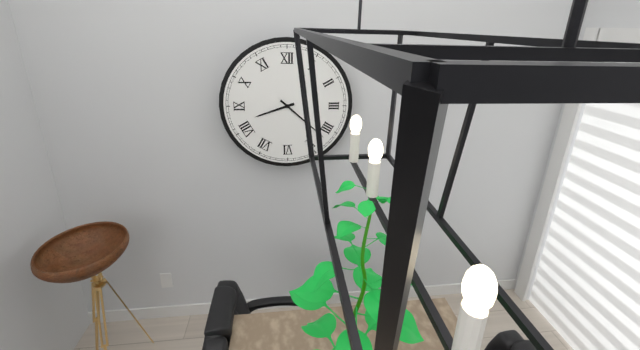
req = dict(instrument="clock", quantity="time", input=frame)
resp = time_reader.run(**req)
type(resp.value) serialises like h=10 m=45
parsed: h=8 m=22
